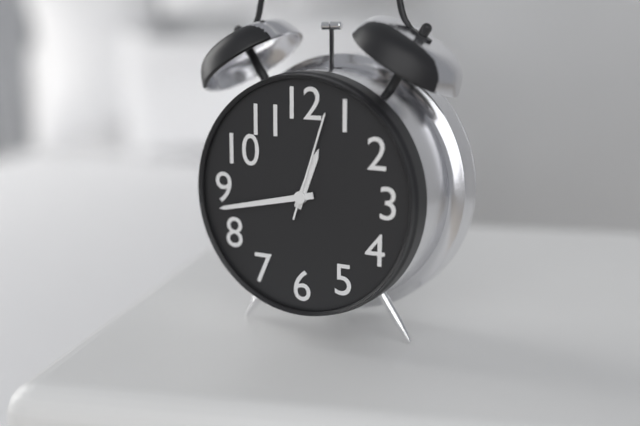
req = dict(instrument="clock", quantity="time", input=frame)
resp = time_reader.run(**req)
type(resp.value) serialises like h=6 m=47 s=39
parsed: h=12 m=43 s=3
